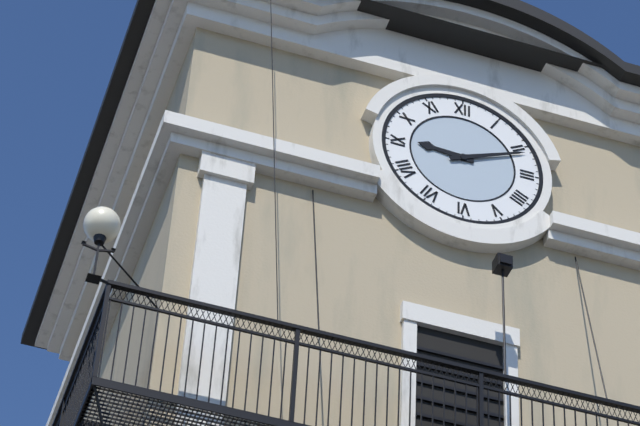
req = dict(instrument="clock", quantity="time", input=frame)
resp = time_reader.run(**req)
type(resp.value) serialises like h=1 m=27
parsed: h=9 m=11
